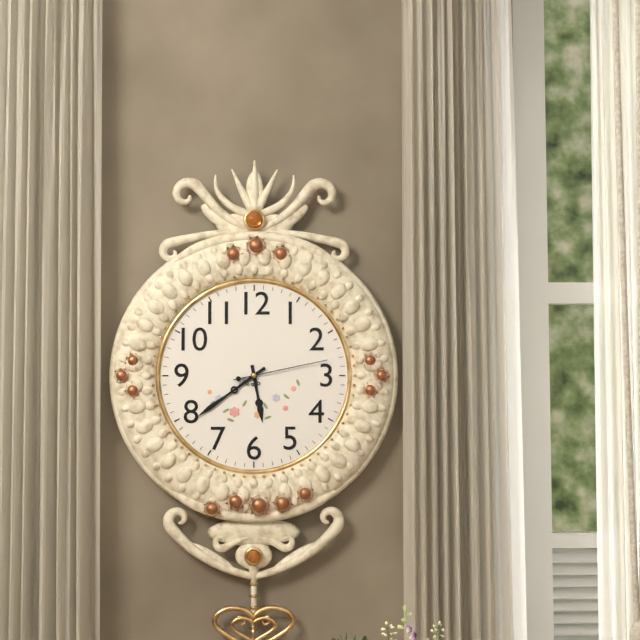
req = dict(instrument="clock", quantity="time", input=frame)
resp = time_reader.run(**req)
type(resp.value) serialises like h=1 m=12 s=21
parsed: h=5 m=39 s=13
